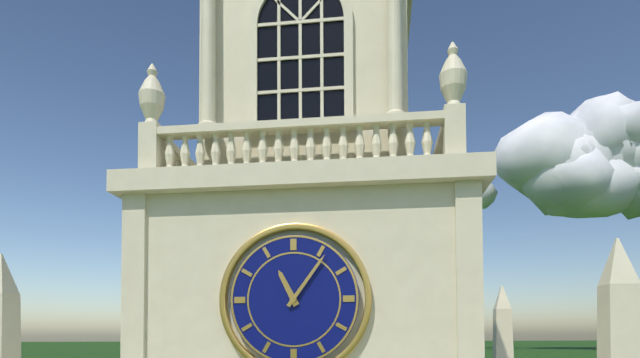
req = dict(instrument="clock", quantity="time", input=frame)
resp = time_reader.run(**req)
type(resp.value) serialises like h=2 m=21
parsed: h=11 m=6
